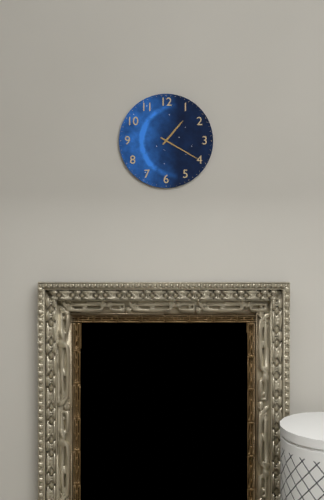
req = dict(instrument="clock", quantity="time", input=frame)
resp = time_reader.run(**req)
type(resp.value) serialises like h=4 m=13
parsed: h=1 m=20
